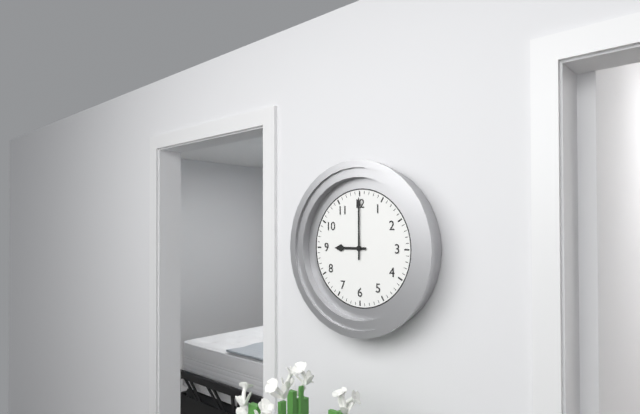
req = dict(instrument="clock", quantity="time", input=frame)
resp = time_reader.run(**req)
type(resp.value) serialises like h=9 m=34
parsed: h=9 m=0
